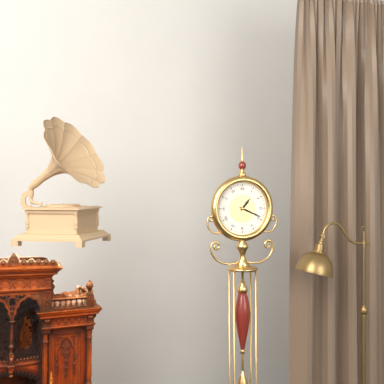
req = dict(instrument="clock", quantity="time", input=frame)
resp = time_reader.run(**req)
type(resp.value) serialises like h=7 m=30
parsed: h=1 m=19
